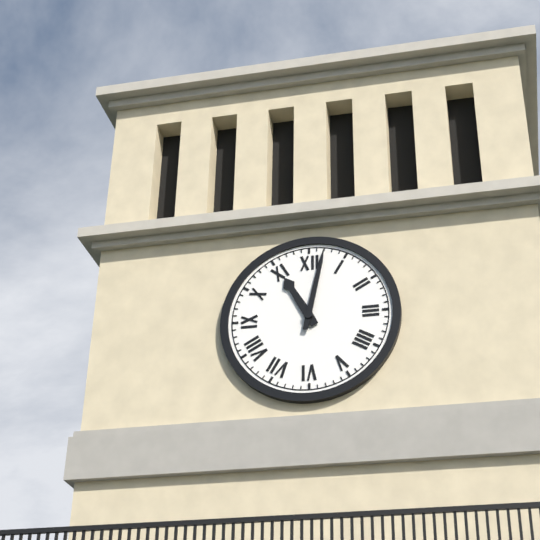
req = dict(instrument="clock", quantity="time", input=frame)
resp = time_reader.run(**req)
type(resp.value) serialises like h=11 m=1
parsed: h=11 m=2
